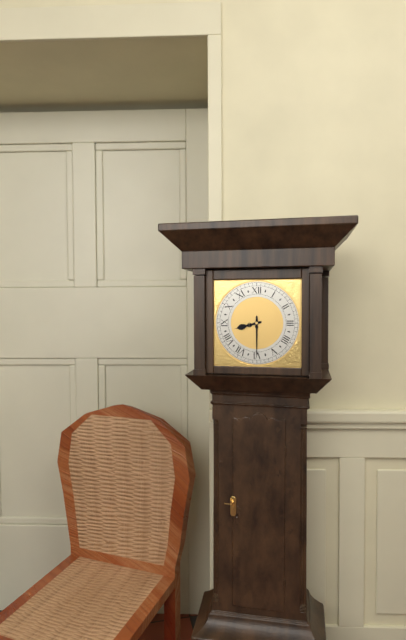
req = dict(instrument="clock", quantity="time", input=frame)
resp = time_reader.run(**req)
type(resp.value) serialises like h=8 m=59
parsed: h=8 m=30
